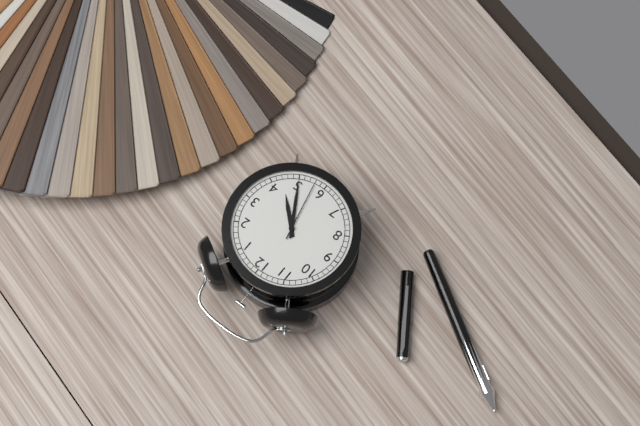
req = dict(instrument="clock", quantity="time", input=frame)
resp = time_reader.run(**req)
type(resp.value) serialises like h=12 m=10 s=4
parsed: h=4 m=25 s=28
